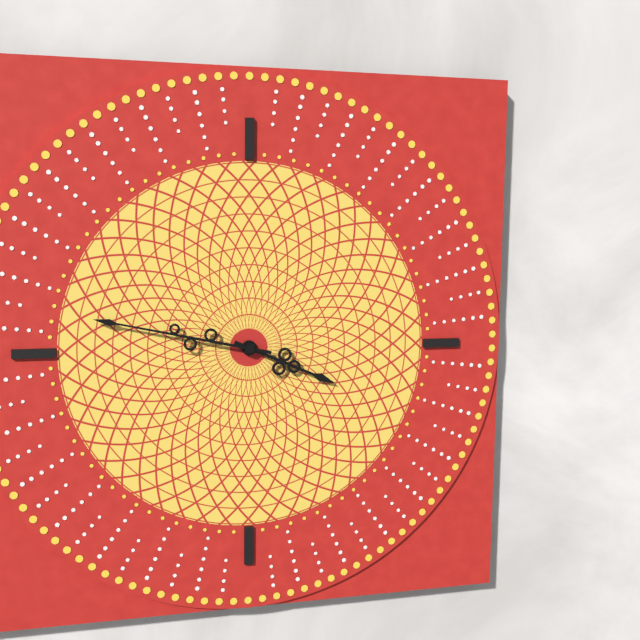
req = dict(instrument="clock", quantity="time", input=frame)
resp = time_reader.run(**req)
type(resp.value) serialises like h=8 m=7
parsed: h=3 m=47
